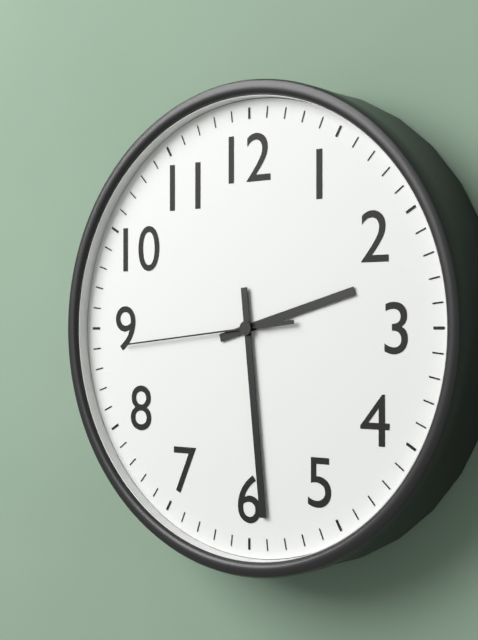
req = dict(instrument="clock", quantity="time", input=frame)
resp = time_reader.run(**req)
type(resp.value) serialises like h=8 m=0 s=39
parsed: h=2 m=29 s=44
